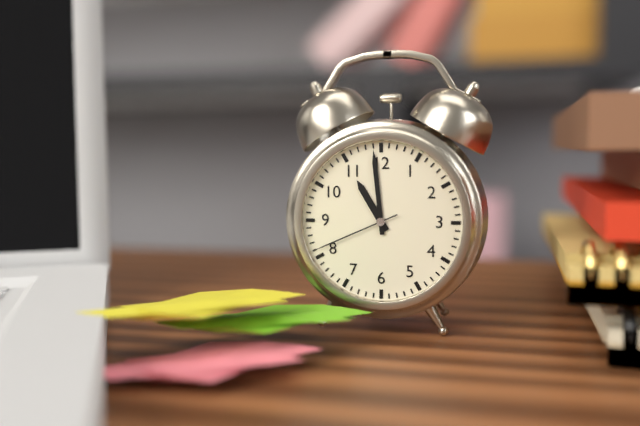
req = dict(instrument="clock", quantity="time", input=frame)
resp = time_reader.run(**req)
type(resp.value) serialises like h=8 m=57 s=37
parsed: h=10 m=59 s=41
